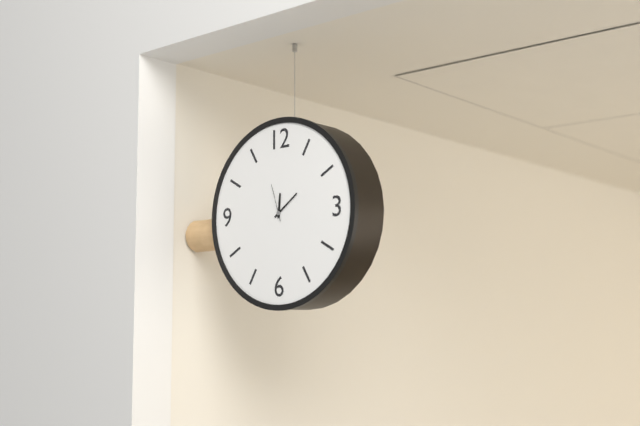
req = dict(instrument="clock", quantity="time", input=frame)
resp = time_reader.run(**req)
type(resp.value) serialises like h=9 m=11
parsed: h=12 m=9
